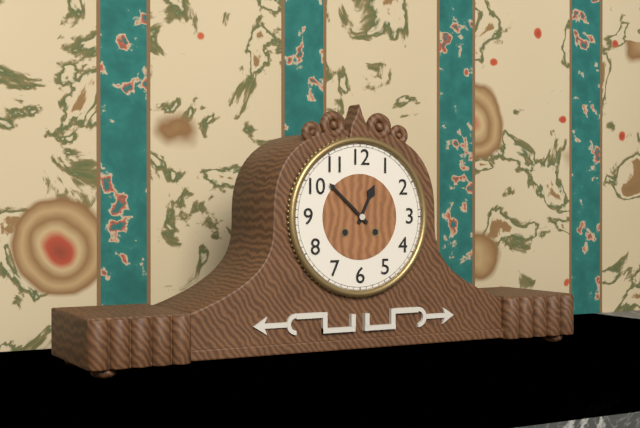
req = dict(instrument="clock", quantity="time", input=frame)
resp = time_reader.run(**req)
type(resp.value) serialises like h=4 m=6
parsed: h=12 m=52
